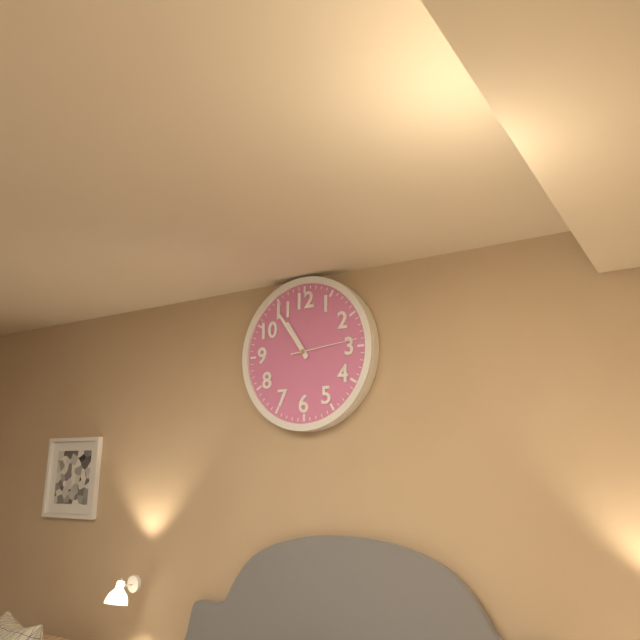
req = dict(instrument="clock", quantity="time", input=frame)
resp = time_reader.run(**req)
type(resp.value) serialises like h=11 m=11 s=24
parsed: h=10 m=54 s=14
